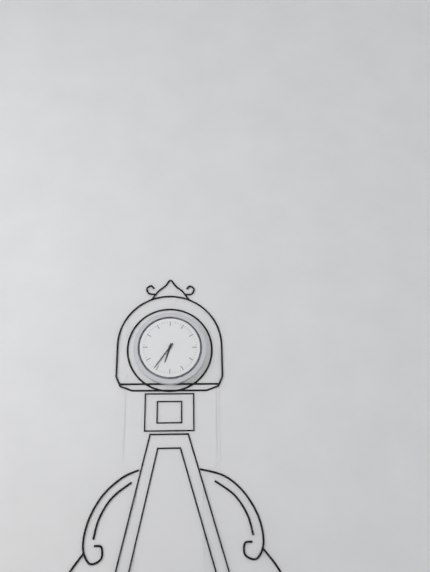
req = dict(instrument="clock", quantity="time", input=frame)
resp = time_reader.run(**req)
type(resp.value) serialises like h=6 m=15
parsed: h=6 m=36
